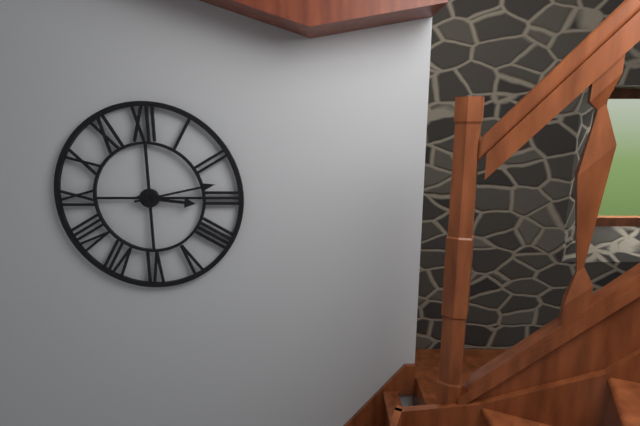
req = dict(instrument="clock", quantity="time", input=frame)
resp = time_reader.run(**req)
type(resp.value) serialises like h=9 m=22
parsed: h=3 m=13
